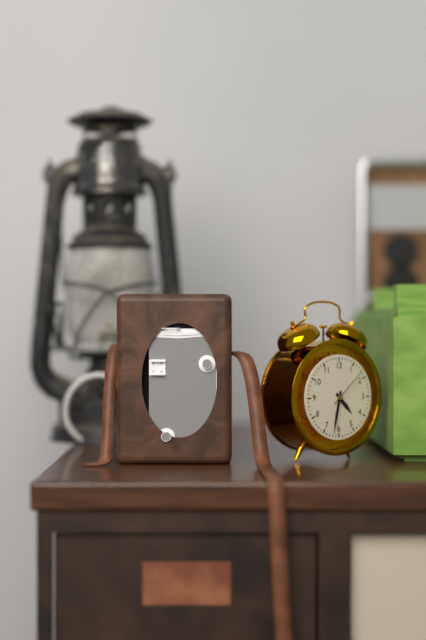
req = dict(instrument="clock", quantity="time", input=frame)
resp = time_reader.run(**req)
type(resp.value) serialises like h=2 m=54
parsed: h=4 m=32
